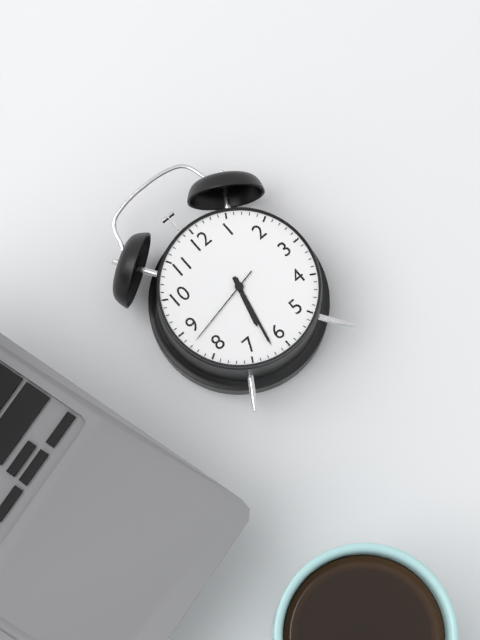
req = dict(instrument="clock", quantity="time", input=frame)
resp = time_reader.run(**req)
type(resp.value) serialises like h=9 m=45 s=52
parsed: h=6 m=32 s=43
